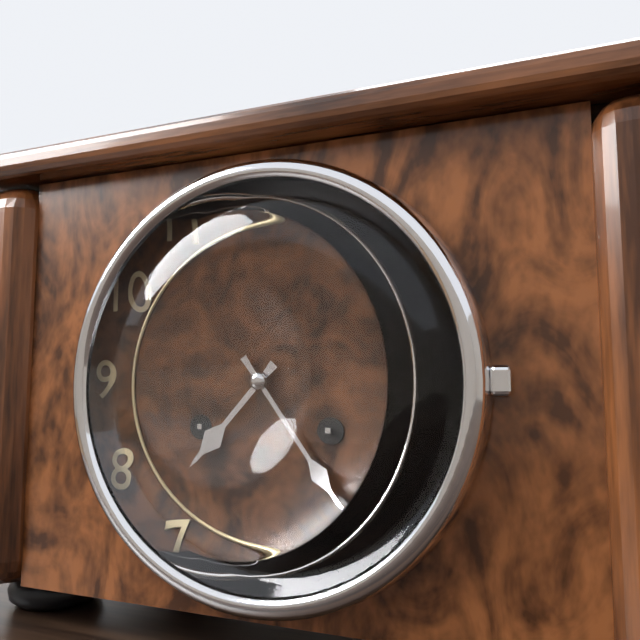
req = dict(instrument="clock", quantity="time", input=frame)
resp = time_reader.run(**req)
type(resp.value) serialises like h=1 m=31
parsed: h=7 m=24
